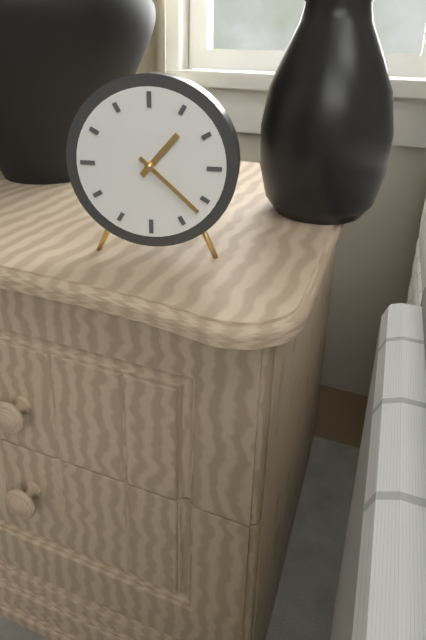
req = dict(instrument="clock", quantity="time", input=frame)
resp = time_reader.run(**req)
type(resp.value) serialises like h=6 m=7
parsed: h=1 m=22
